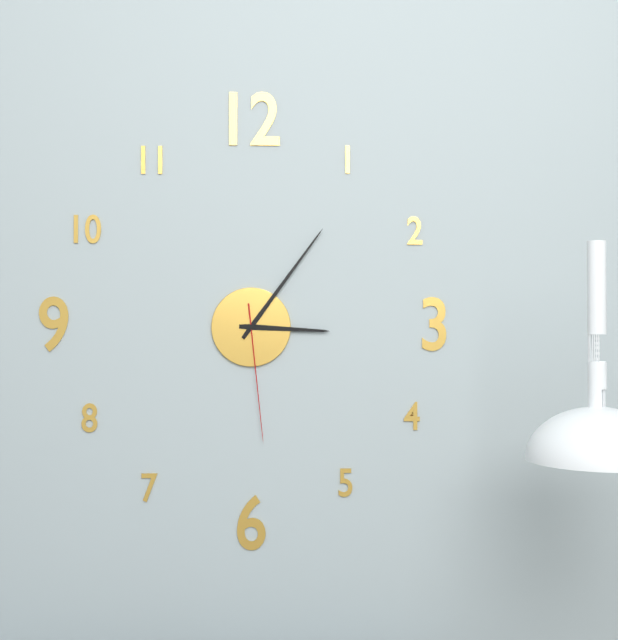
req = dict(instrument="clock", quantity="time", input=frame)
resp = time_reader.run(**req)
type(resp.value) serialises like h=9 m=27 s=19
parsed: h=3 m=6 s=29
